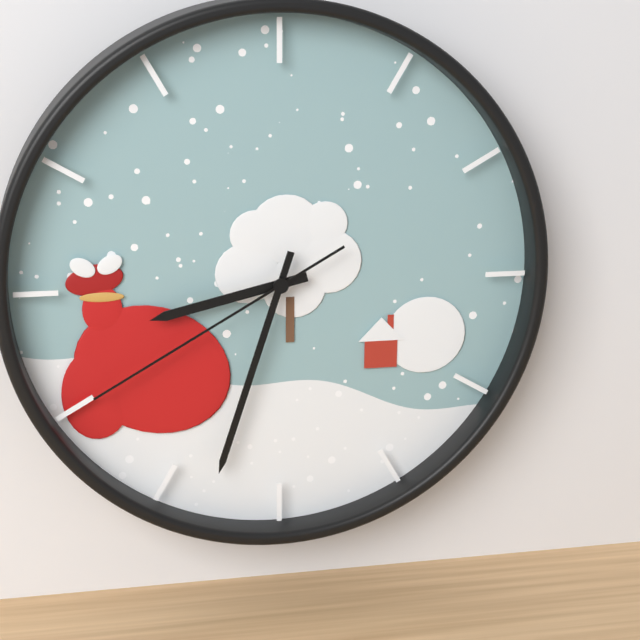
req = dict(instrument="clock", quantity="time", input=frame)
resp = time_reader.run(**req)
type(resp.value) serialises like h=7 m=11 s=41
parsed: h=8 m=33 s=40
